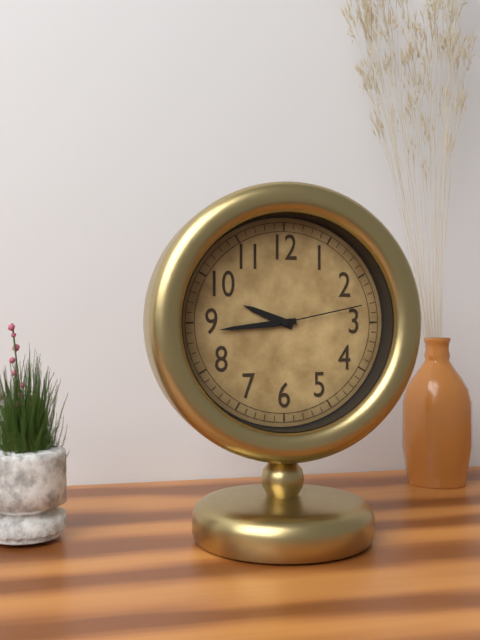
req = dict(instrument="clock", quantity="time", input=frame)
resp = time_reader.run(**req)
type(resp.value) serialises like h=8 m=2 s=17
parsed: h=9 m=44 s=13
